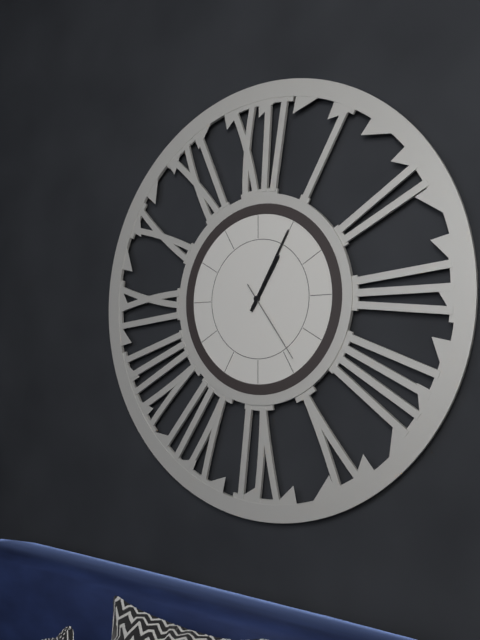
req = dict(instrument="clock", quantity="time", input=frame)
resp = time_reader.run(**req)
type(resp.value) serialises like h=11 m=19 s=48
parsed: h=1 m=5 s=24
